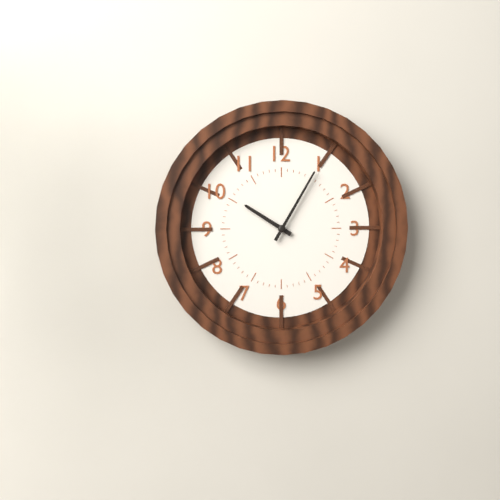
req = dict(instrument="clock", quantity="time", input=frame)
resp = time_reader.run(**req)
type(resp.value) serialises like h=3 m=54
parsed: h=10 m=5
